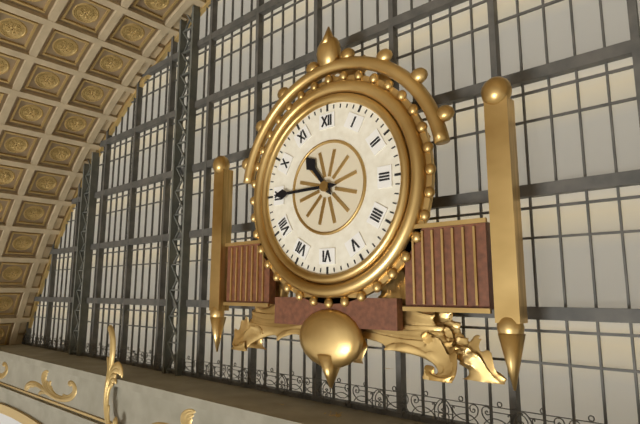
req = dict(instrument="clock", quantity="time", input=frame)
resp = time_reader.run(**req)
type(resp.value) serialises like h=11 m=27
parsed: h=10 m=45
